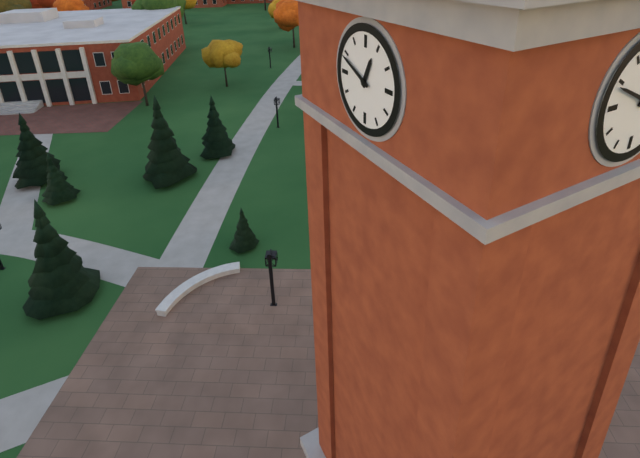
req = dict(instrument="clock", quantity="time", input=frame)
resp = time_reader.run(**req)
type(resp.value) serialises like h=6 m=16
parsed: h=12 m=49
